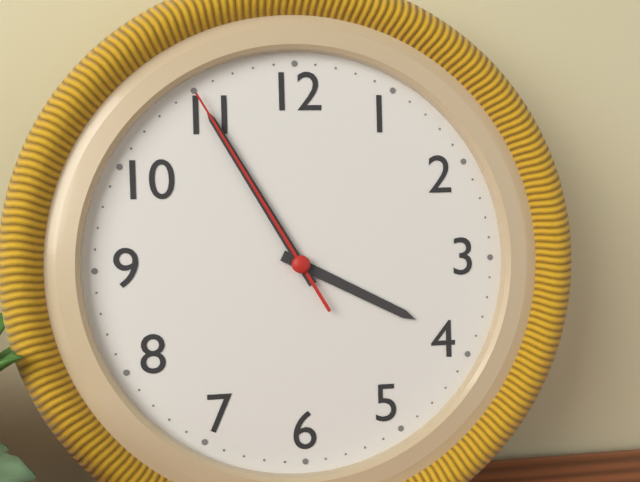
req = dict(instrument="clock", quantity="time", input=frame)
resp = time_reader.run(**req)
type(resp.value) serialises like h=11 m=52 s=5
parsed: h=3 m=55 s=55
